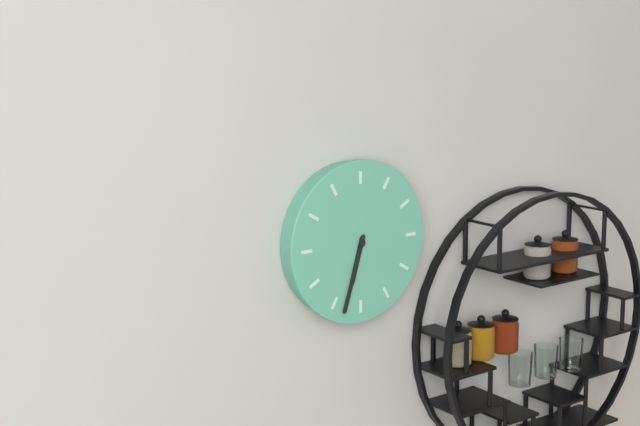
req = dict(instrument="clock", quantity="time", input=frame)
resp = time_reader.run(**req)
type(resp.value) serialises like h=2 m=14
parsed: h=6 m=33
